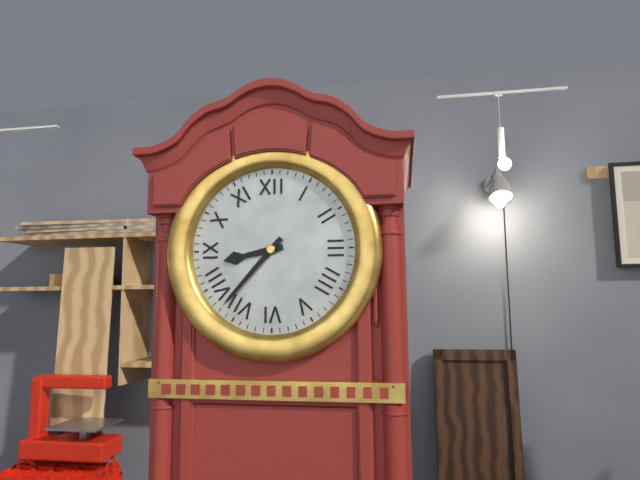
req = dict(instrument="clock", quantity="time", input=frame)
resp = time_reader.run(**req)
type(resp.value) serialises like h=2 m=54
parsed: h=8 m=37
